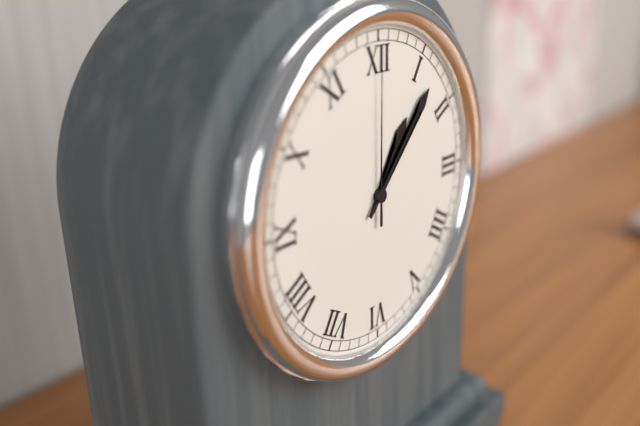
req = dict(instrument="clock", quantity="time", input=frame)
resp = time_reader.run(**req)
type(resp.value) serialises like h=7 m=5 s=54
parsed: h=1 m=7 s=0
